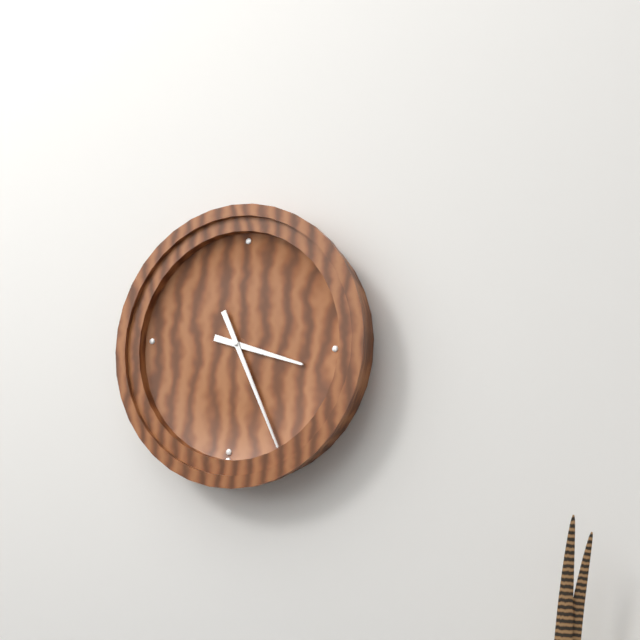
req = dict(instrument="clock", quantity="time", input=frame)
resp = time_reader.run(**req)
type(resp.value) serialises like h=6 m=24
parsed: h=3 m=25
